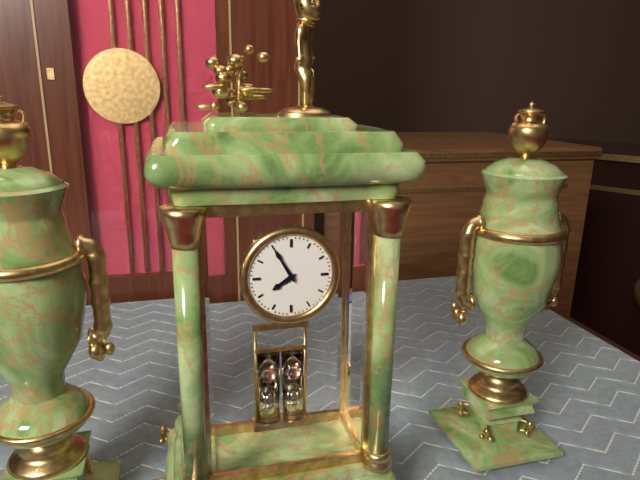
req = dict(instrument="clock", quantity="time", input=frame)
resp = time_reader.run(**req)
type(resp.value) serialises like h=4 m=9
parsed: h=7 m=55
